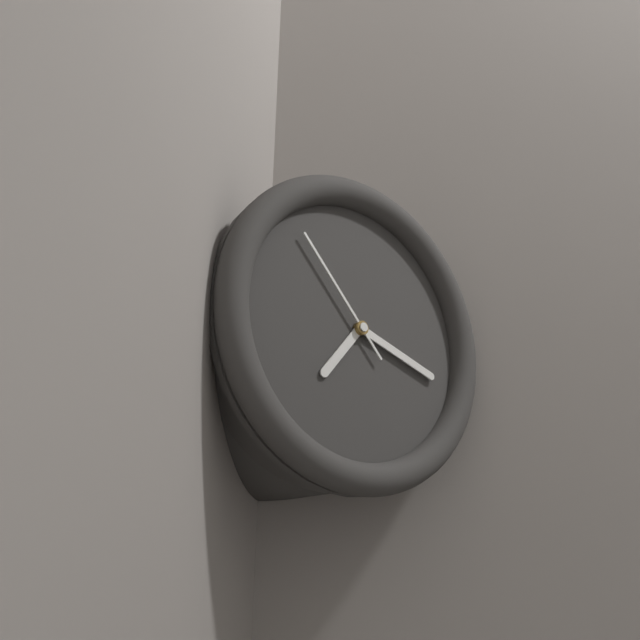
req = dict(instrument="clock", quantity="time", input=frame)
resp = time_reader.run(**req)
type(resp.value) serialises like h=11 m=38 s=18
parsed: h=7 m=18 s=53
